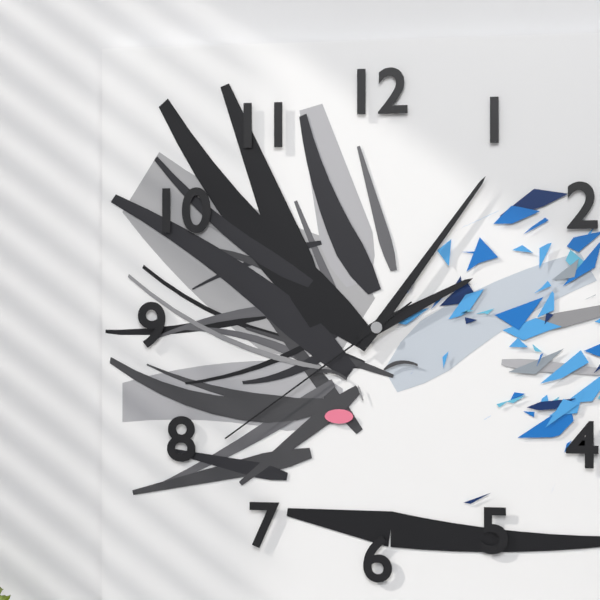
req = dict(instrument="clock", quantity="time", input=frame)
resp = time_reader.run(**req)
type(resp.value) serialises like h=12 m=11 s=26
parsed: h=2 m=6 s=39
